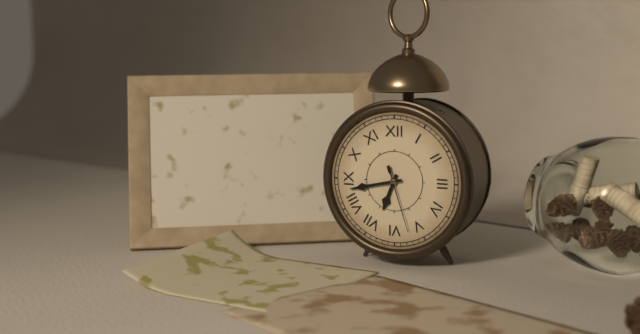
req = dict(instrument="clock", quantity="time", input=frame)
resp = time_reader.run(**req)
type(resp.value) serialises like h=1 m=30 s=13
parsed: h=6 m=43 s=27
